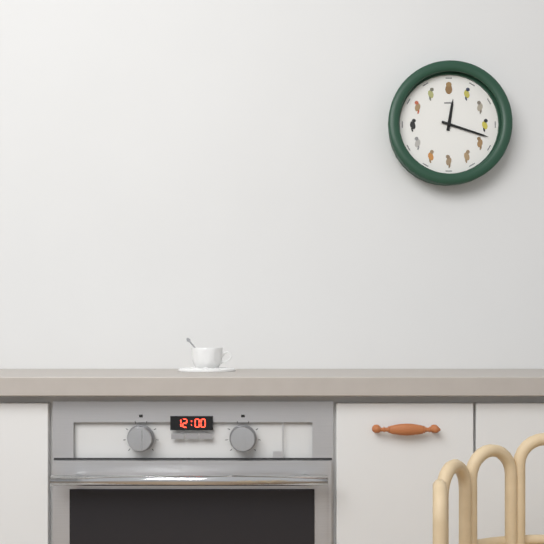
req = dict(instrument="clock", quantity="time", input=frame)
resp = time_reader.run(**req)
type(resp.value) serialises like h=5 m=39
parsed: h=12 m=18
